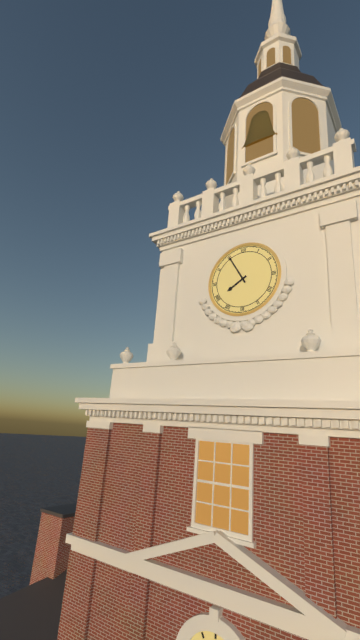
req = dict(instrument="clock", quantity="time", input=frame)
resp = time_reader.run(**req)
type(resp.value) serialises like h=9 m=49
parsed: h=7 m=55
